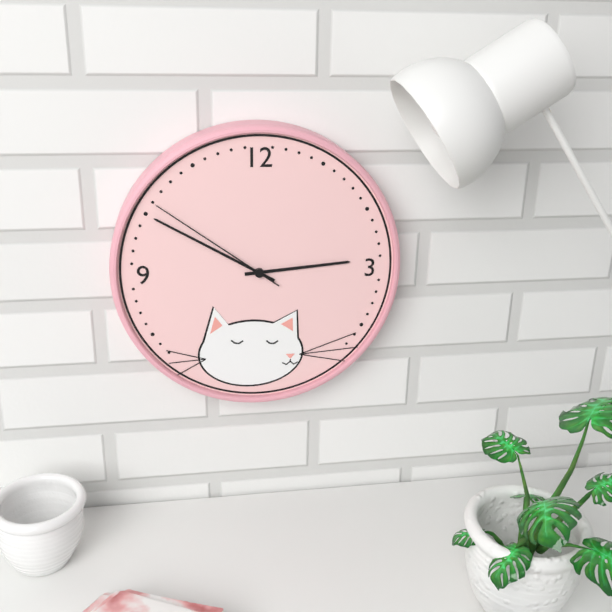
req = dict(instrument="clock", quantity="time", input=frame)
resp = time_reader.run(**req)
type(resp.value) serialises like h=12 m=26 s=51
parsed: h=2 m=50 s=51
